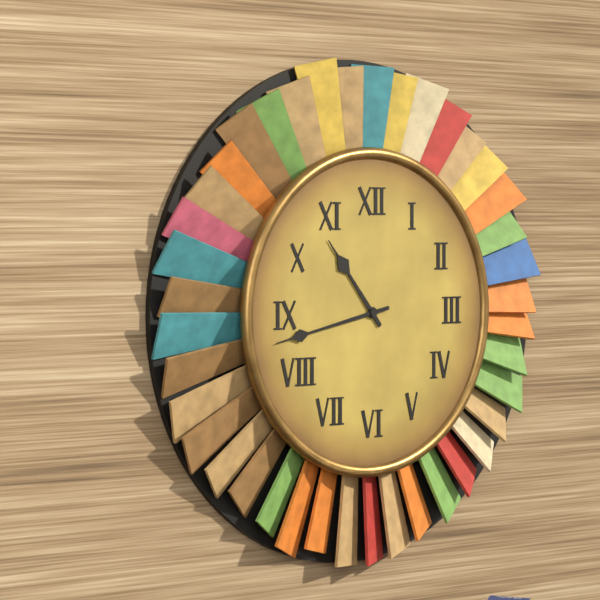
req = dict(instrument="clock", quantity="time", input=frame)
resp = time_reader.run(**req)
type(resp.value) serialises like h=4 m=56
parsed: h=10 m=43
